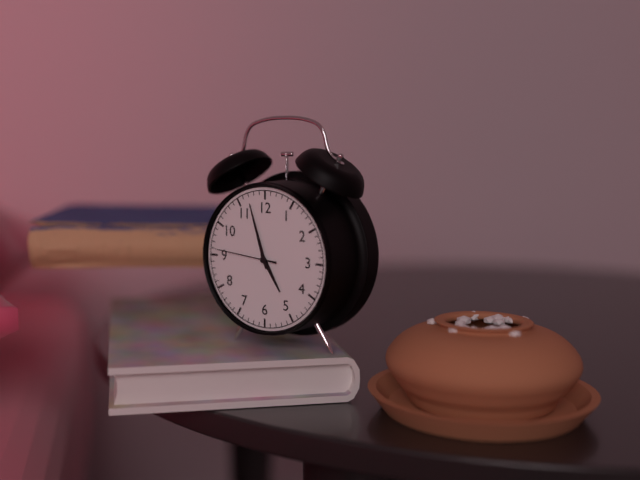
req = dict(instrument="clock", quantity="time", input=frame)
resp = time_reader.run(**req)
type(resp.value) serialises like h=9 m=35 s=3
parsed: h=4 m=57 s=46
